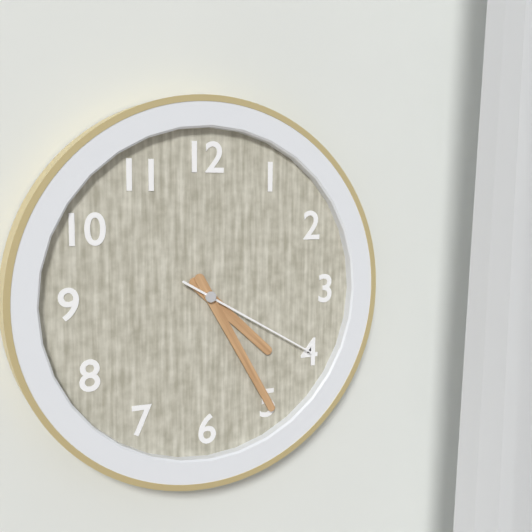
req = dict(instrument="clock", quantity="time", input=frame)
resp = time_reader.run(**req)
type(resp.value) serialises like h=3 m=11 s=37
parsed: h=4 m=25 s=20
